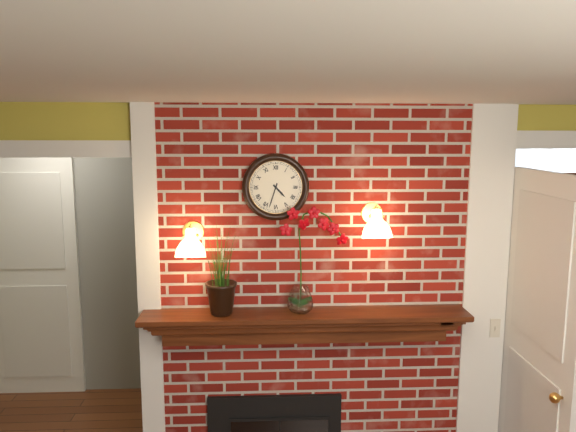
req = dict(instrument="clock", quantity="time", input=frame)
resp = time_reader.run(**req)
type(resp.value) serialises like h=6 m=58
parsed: h=4 m=33
